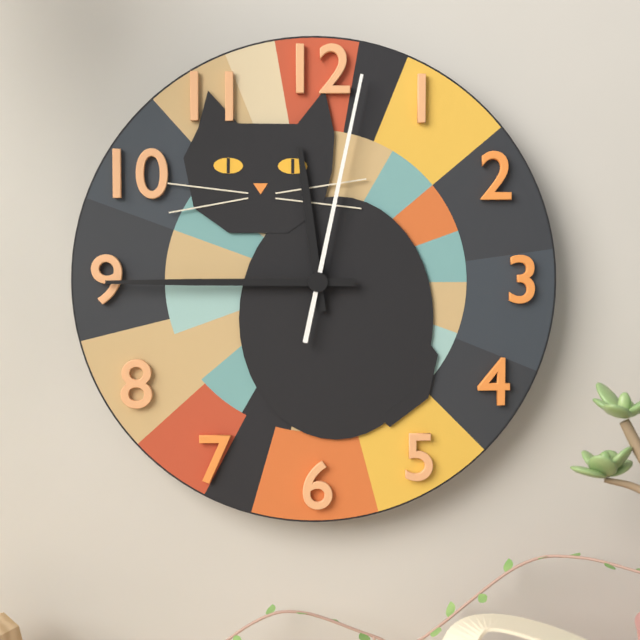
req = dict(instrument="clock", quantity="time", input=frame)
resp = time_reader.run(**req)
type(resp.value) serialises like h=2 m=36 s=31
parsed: h=11 m=45 s=2
